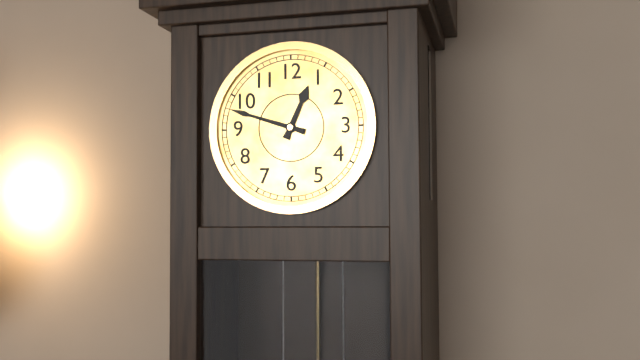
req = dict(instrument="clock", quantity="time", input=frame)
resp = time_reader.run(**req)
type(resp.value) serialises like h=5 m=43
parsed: h=12 m=48
